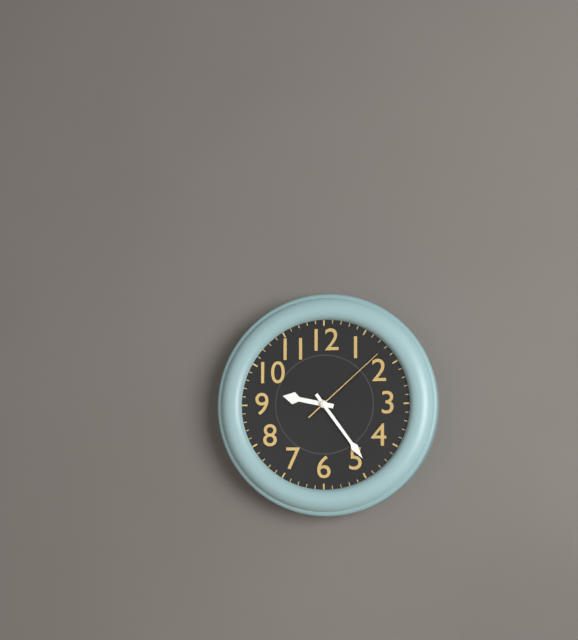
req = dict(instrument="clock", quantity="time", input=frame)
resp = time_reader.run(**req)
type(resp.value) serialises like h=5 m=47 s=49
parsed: h=9 m=24 s=8
